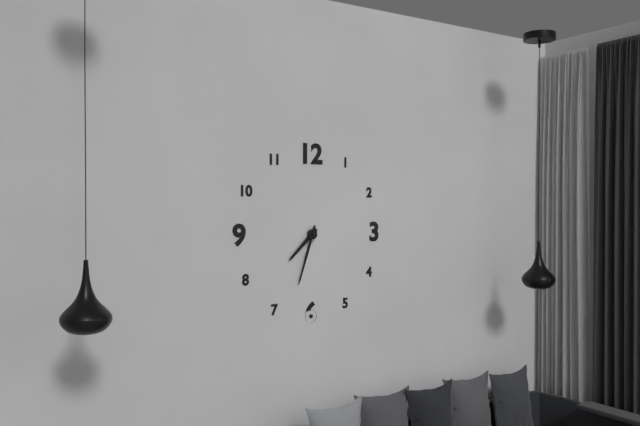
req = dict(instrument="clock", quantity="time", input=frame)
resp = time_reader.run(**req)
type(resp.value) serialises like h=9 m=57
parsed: h=7 m=33
